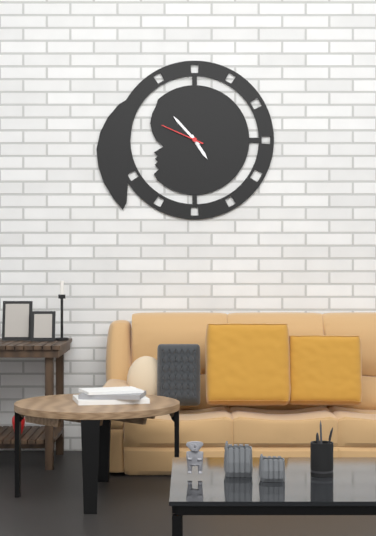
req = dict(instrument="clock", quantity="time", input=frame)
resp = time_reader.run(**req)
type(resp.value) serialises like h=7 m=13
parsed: h=4 m=53
